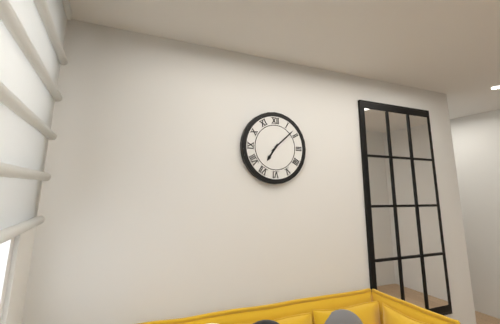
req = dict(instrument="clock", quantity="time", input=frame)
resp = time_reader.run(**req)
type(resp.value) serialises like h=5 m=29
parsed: h=7 m=8
